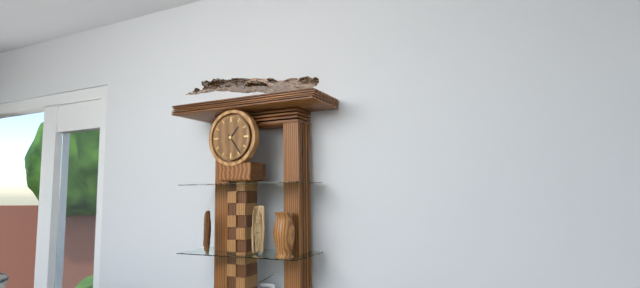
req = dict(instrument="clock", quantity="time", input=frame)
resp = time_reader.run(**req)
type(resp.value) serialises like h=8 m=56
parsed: h=1 m=24
